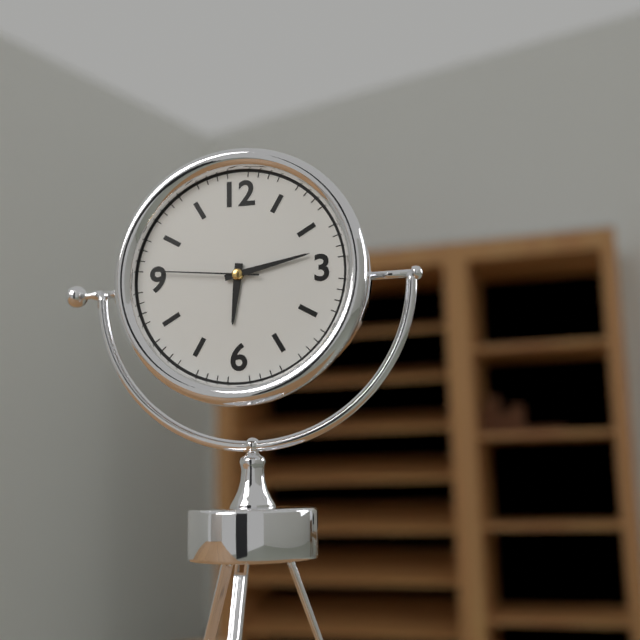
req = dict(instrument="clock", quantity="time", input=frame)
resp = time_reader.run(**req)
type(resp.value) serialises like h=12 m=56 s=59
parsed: h=6 m=13 s=46
